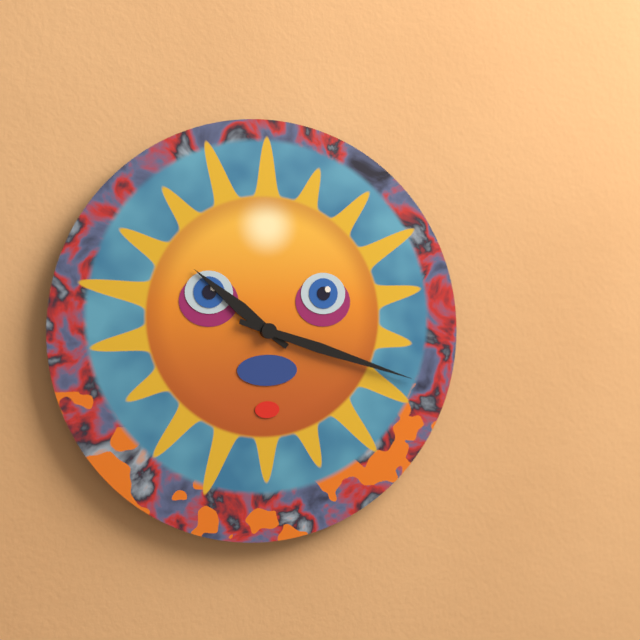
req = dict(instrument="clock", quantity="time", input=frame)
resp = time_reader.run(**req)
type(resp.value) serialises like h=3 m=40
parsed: h=10 m=18
